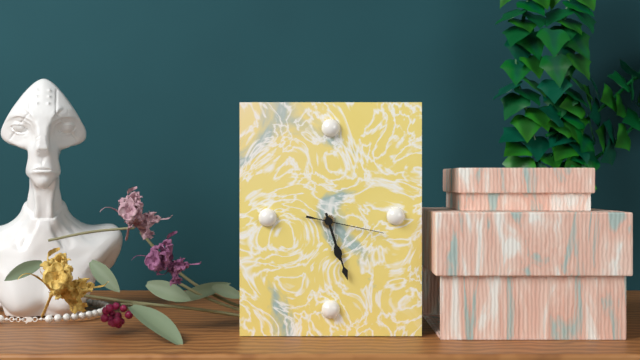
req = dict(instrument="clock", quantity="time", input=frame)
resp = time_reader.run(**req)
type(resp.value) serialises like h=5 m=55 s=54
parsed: h=5 m=27 s=17
